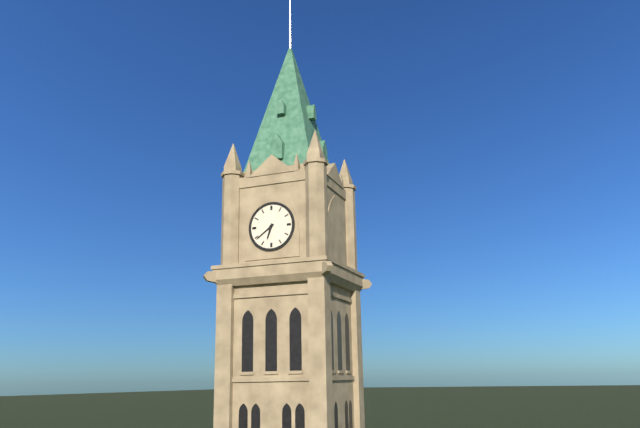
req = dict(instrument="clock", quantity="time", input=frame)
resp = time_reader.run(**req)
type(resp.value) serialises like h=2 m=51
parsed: h=6 m=39
